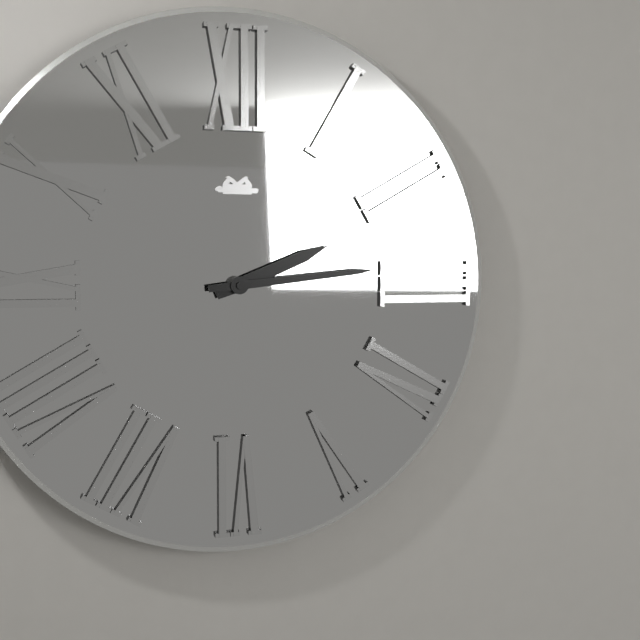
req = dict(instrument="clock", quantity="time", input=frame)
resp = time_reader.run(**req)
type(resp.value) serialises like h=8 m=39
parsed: h=2 m=14
